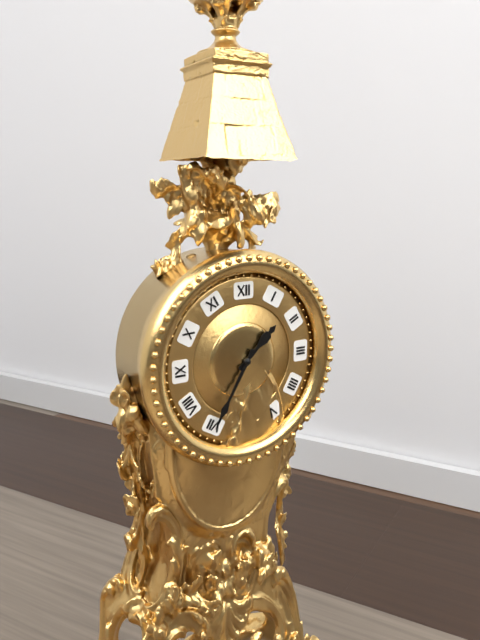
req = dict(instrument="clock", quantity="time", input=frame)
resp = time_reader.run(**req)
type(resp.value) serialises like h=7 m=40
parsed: h=1 m=35
